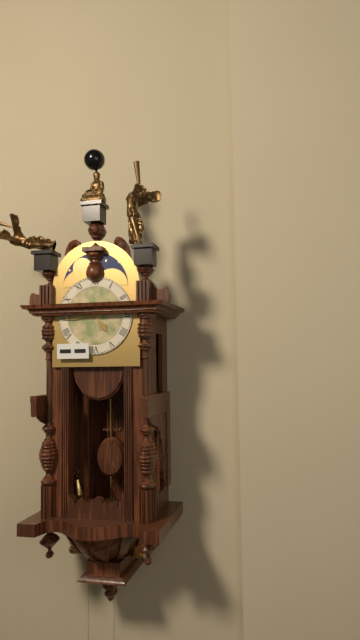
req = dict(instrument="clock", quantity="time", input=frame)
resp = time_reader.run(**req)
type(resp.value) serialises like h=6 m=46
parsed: h=4 m=44
